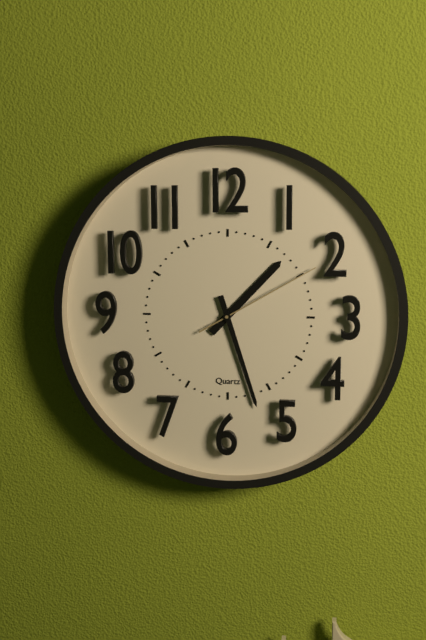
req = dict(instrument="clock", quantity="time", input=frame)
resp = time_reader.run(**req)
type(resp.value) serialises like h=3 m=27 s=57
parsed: h=1 m=27 s=10
